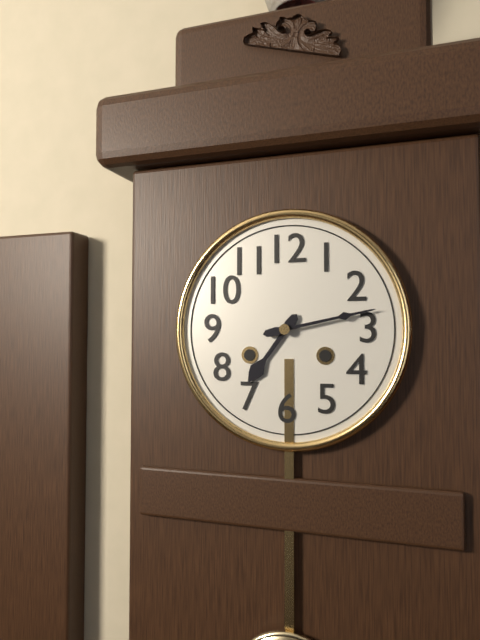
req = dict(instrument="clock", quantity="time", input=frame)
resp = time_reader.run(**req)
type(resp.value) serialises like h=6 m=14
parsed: h=7 m=13
